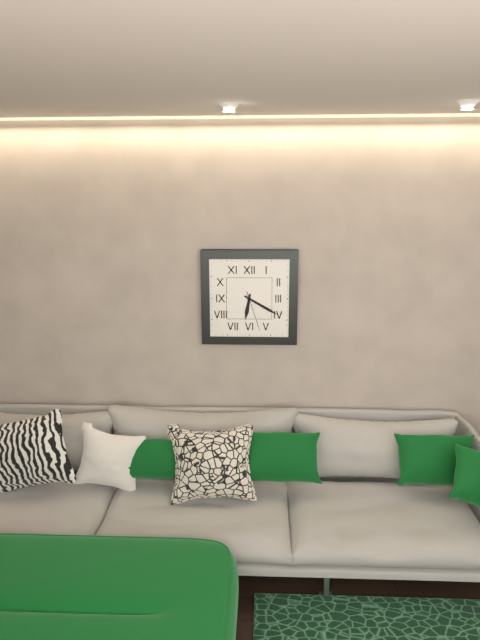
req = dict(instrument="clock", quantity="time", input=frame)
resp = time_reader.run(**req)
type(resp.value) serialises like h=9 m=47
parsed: h=6 m=20
